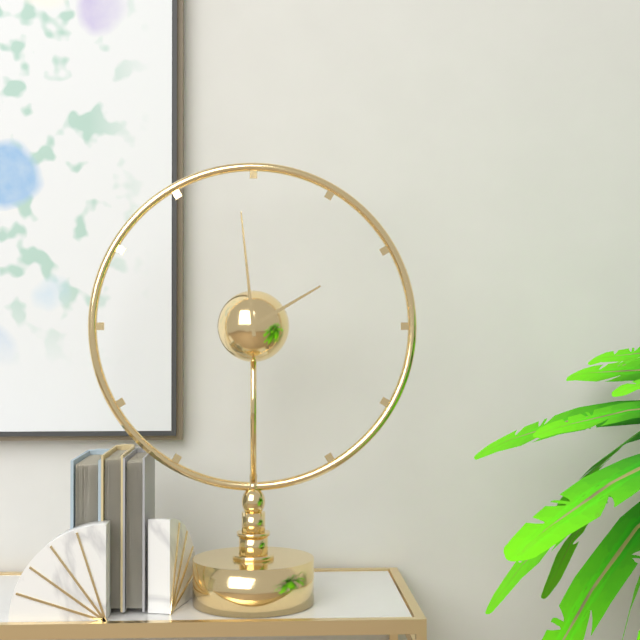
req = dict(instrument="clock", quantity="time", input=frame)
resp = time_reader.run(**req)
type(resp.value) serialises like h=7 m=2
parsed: h=1 m=59
